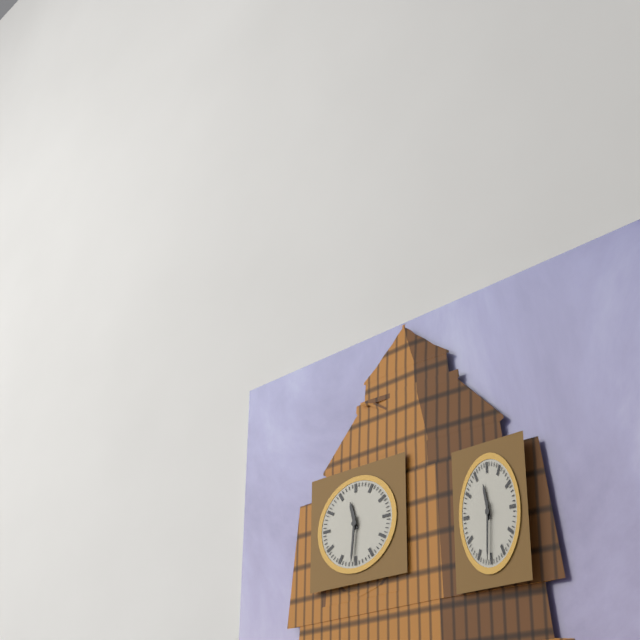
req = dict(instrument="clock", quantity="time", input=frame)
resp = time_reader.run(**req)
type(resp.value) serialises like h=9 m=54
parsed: h=11 m=31
